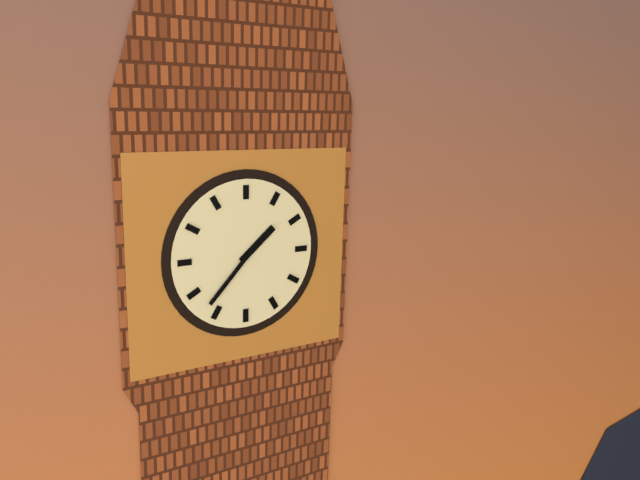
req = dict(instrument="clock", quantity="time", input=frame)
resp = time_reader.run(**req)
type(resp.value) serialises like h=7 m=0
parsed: h=1 m=37
